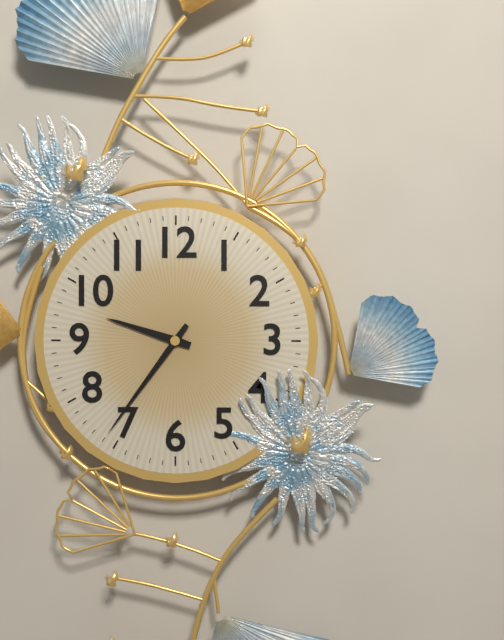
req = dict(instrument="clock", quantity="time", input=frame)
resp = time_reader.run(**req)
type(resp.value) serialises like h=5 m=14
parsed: h=9 m=36
